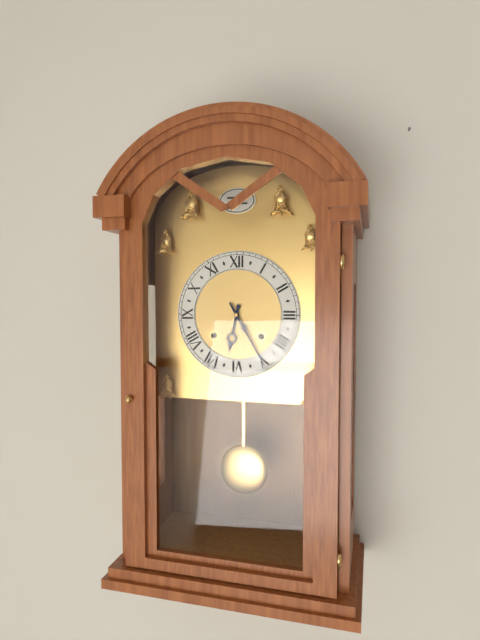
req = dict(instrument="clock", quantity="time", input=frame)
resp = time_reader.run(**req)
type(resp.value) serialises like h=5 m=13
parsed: h=6 m=25
